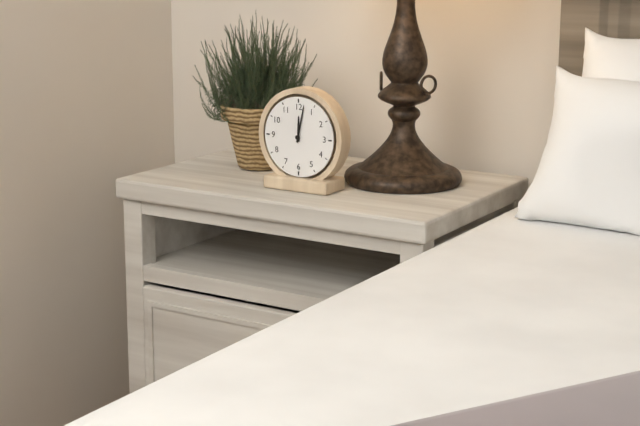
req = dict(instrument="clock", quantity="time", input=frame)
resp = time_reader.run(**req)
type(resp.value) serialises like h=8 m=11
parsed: h=12 m=2
